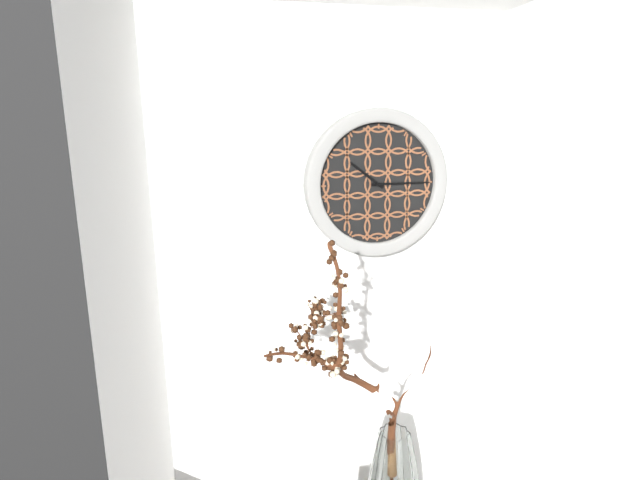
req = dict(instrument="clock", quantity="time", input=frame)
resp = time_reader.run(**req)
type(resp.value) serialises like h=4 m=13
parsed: h=10 m=15
